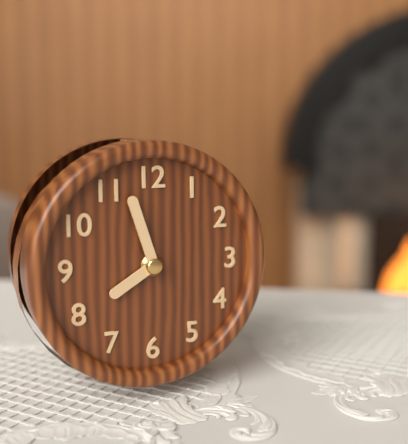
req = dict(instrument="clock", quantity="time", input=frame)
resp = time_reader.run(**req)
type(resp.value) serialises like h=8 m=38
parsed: h=7 m=57
